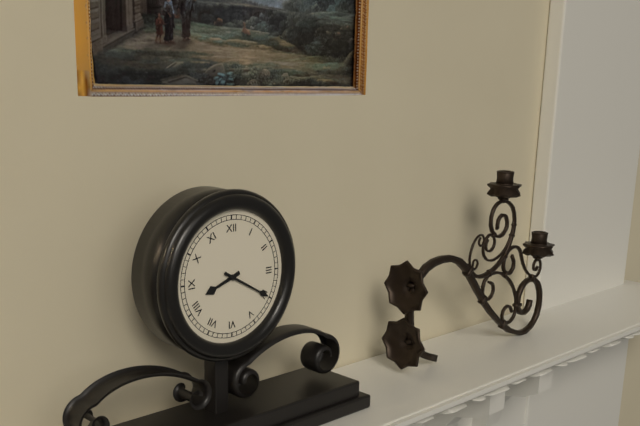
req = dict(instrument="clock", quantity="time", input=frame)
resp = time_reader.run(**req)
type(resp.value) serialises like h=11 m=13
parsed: h=8 m=20
